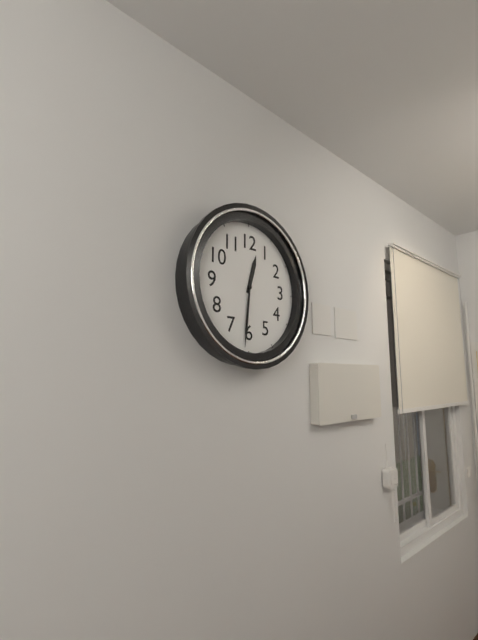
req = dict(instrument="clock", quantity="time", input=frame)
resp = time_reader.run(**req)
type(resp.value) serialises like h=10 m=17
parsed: h=12 m=31
